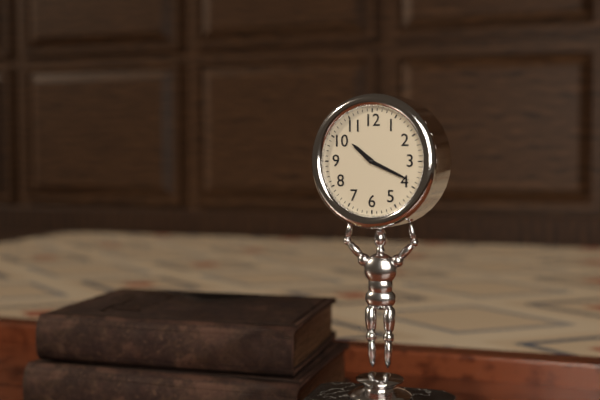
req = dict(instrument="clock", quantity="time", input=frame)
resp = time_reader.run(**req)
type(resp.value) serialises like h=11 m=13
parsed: h=10 m=19
